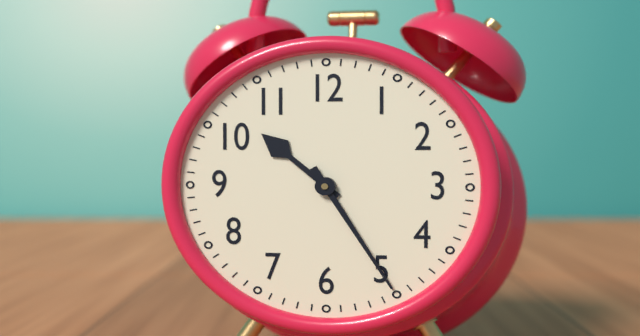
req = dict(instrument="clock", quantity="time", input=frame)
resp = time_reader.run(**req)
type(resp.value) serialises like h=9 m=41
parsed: h=10 m=25
